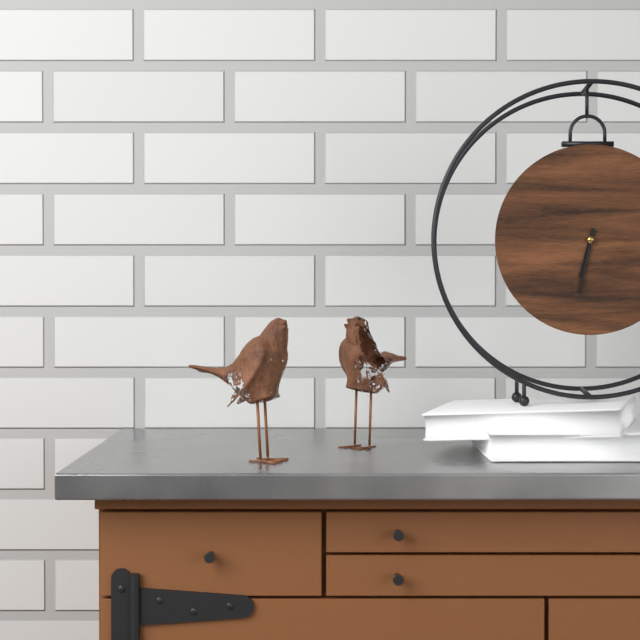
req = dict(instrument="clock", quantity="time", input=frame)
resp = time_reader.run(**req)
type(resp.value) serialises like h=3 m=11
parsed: h=6 m=32
